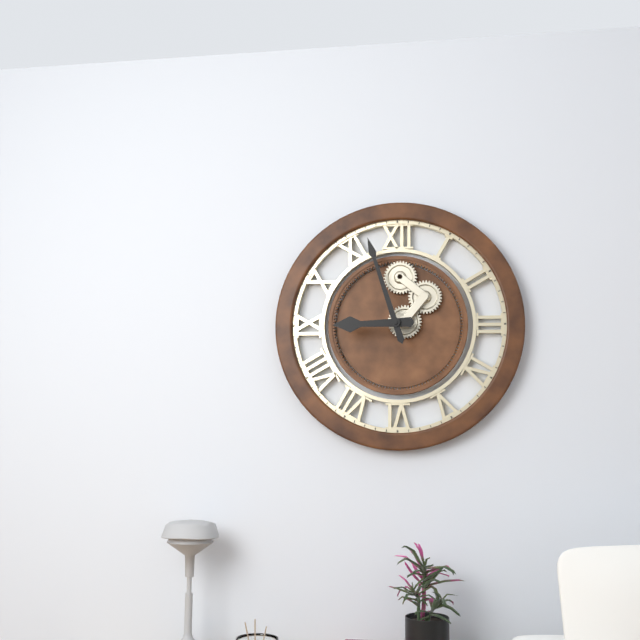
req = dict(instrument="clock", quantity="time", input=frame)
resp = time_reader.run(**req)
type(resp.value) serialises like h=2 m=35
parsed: h=8 m=57
